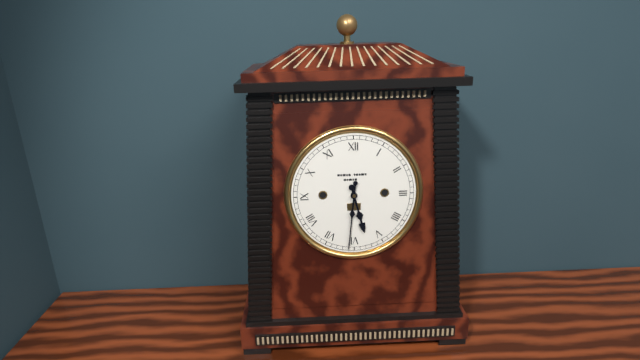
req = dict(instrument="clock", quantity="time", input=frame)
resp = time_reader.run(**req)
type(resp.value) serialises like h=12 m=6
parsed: h=5 m=31
